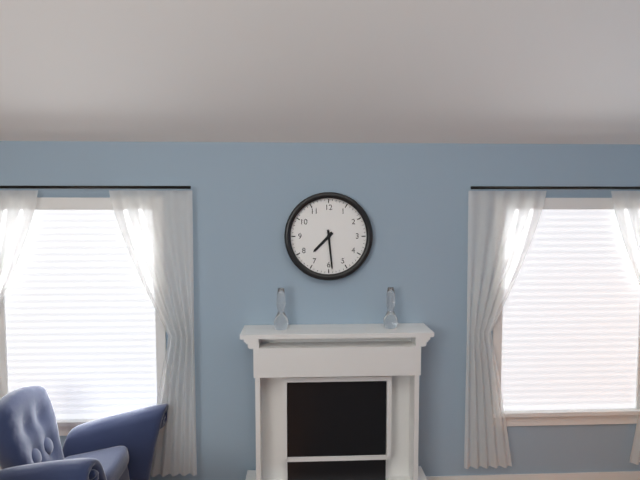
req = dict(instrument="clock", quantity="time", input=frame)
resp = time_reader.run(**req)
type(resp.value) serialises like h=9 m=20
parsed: h=7 m=29
